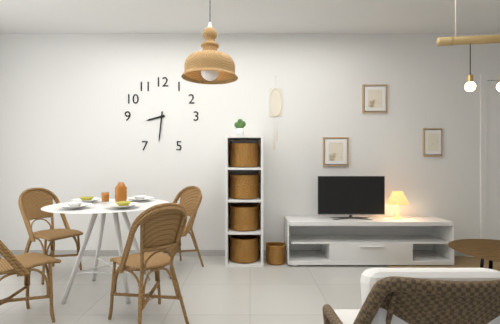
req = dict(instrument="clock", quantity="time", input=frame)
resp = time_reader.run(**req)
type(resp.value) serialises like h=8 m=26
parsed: h=8 m=31
